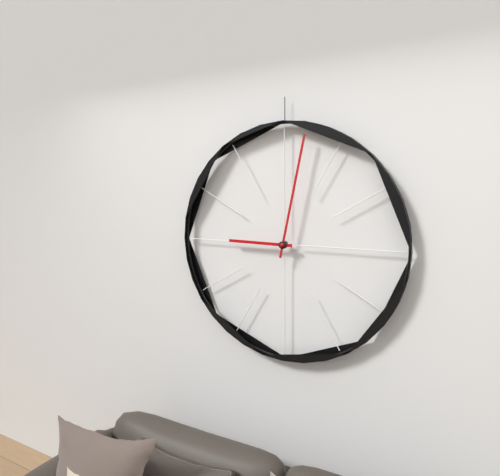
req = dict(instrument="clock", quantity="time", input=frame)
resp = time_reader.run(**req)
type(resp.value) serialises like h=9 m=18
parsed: h=9 m=2
